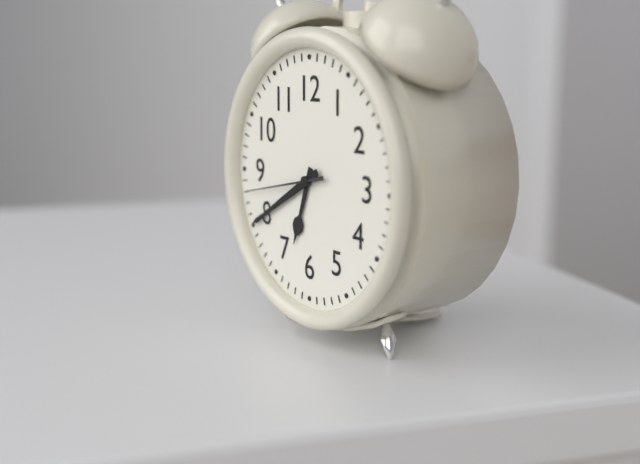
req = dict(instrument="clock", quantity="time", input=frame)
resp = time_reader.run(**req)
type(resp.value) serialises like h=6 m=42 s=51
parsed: h=6 m=40 s=43
